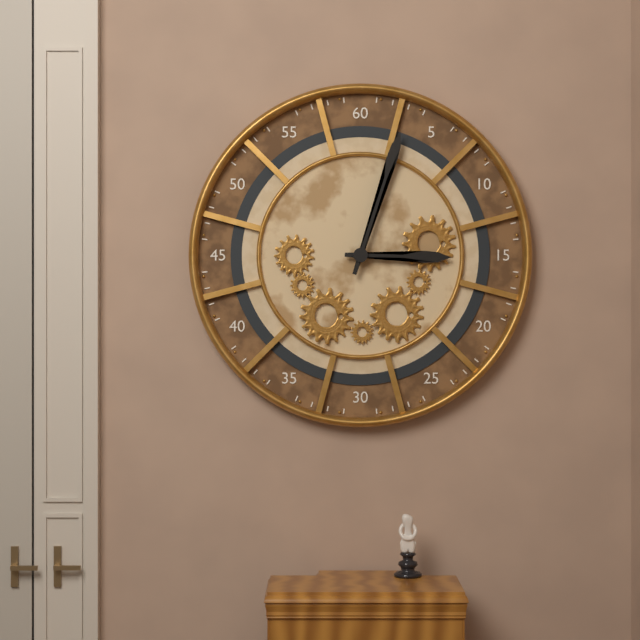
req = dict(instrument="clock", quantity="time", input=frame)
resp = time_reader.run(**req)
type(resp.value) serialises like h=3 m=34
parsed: h=3 m=3
